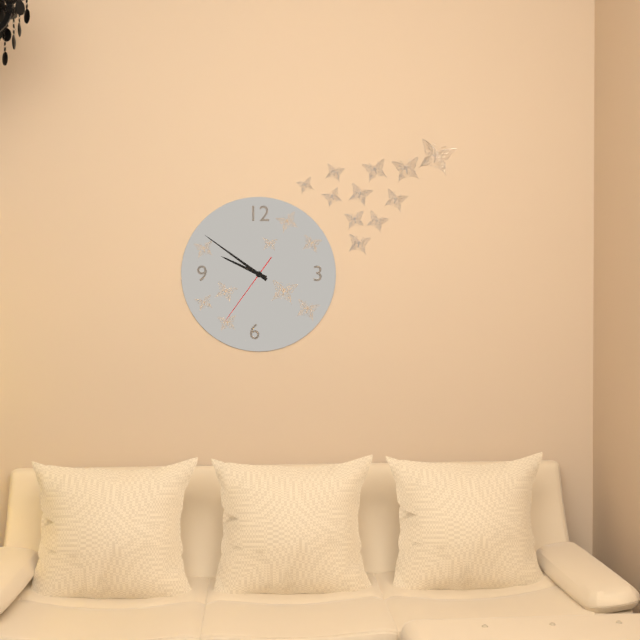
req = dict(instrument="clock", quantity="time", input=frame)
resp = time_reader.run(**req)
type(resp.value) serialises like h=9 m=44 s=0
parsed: h=9 m=51 s=36
